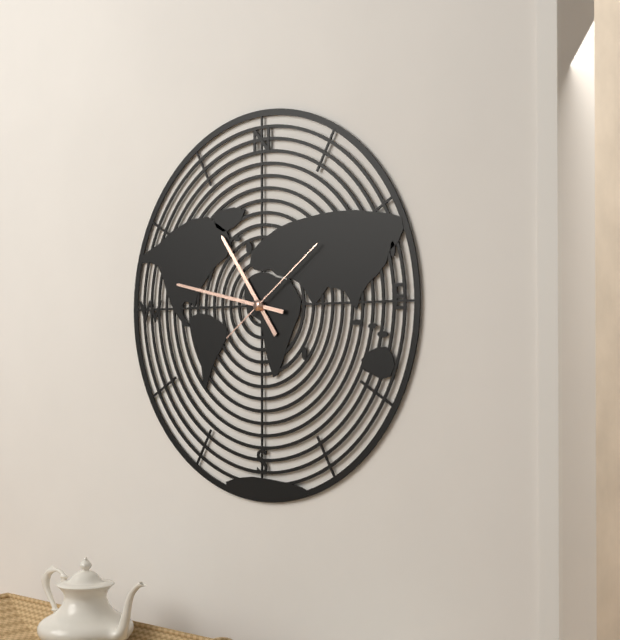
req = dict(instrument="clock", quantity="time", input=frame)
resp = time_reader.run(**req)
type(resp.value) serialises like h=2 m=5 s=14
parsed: h=10 m=47 s=9
